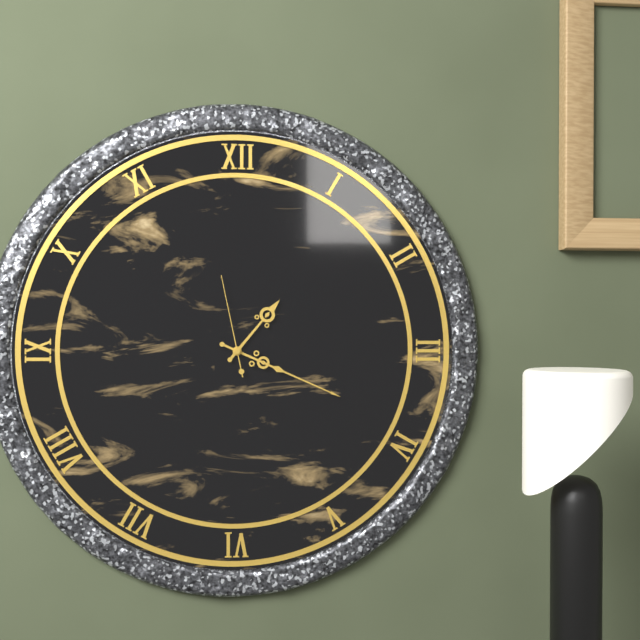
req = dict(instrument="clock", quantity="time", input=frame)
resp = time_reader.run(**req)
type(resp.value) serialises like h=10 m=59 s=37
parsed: h=1 m=19 s=58
